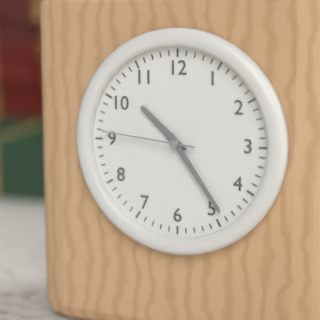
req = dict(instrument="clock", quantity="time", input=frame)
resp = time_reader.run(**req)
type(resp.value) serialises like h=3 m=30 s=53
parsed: h=10 m=24 s=46
